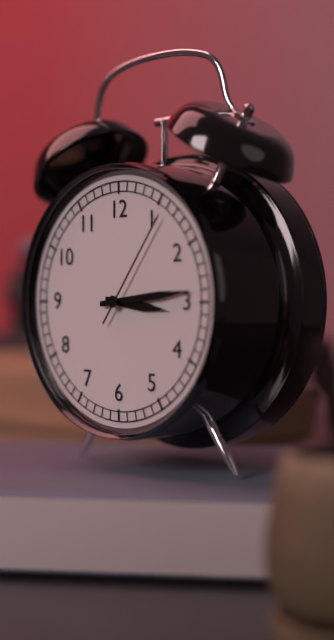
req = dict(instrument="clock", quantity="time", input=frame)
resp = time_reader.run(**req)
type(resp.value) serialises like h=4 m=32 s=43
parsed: h=3 m=14 s=6
